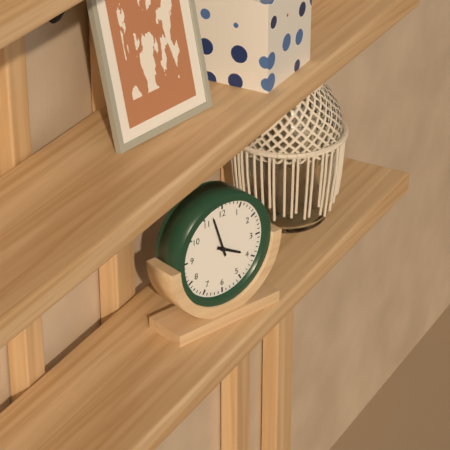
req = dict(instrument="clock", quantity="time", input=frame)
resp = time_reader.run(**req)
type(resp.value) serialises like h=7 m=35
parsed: h=3 m=57
